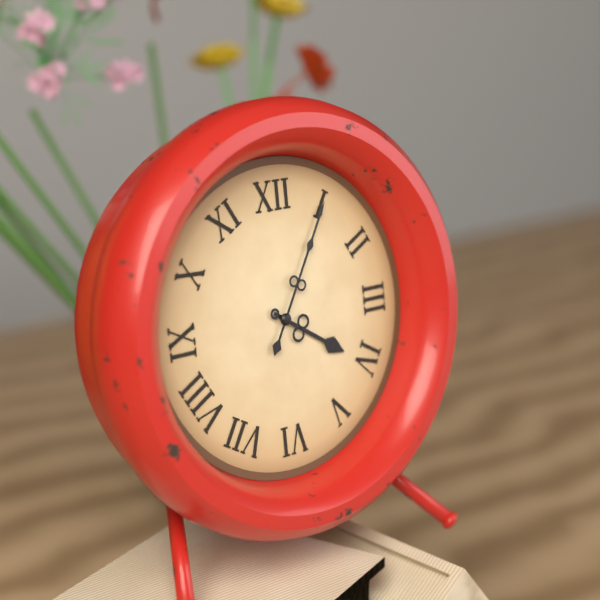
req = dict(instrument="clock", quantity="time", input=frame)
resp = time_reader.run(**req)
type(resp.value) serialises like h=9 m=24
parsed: h=4 m=5
